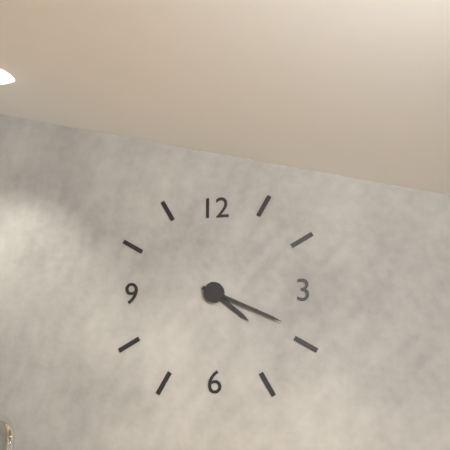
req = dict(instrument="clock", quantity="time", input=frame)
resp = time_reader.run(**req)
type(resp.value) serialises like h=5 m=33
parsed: h=4 m=19
